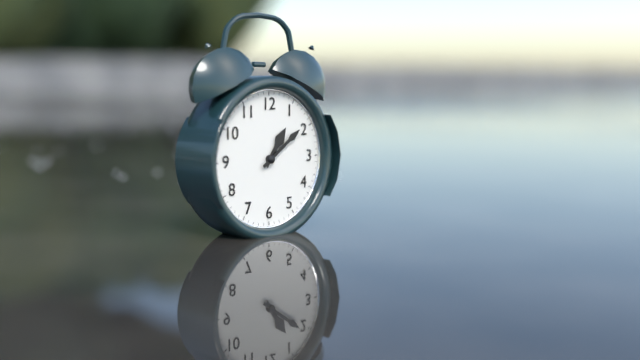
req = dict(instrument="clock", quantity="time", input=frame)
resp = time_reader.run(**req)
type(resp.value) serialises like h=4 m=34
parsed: h=1 m=9
